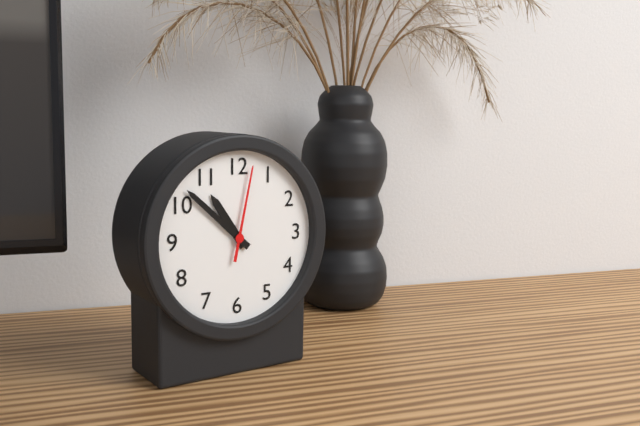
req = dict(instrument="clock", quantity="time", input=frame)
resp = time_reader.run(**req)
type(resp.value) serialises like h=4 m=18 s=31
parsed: h=10 m=52 s=2
